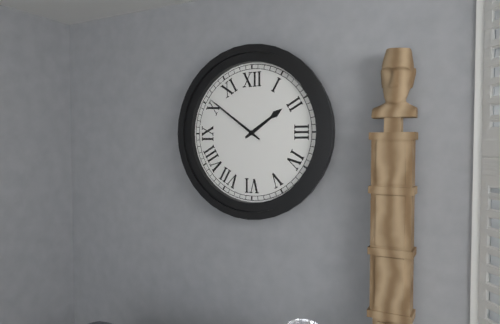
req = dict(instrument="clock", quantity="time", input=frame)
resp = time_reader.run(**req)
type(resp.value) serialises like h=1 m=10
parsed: h=1 m=51
